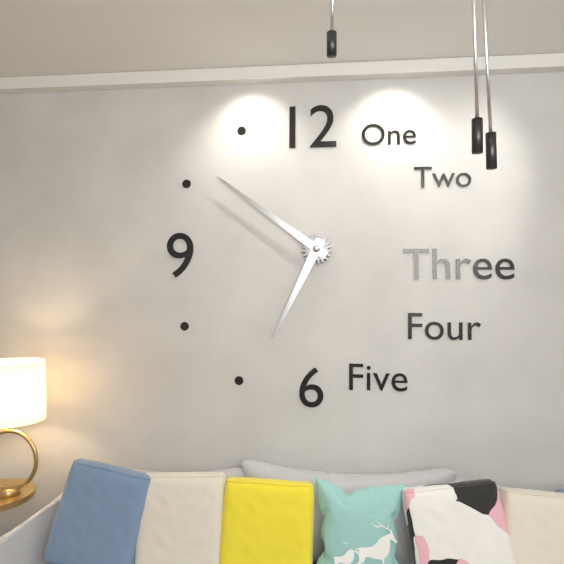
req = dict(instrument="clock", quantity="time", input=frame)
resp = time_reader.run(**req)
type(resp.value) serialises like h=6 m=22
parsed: h=6 m=51
